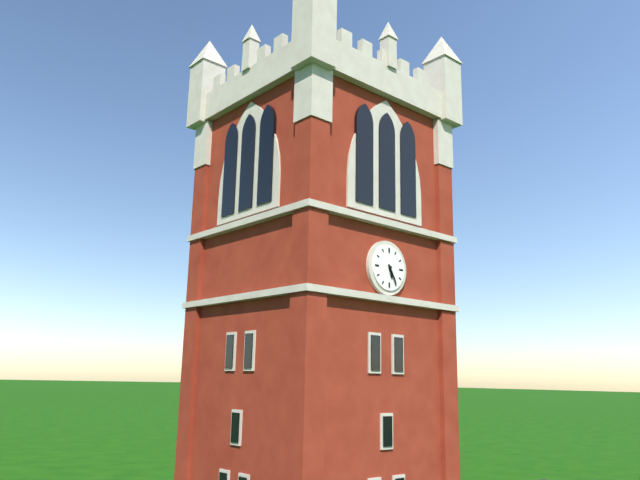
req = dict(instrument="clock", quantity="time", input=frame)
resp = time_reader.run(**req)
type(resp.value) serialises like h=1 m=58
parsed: h=5 m=25
